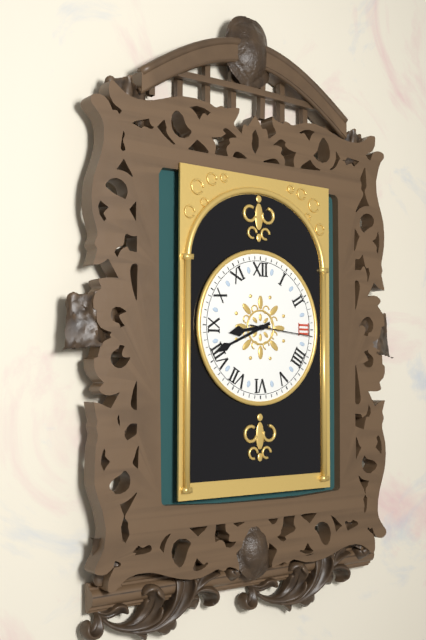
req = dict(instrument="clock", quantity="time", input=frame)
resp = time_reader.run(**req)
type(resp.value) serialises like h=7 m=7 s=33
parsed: h=8 m=41 s=16
